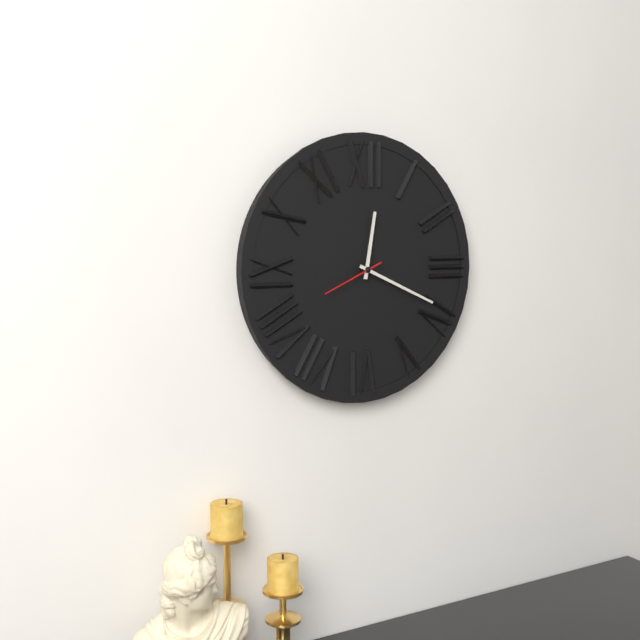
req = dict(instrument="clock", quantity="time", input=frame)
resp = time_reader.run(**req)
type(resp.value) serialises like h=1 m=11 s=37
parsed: h=12 m=19 s=41
